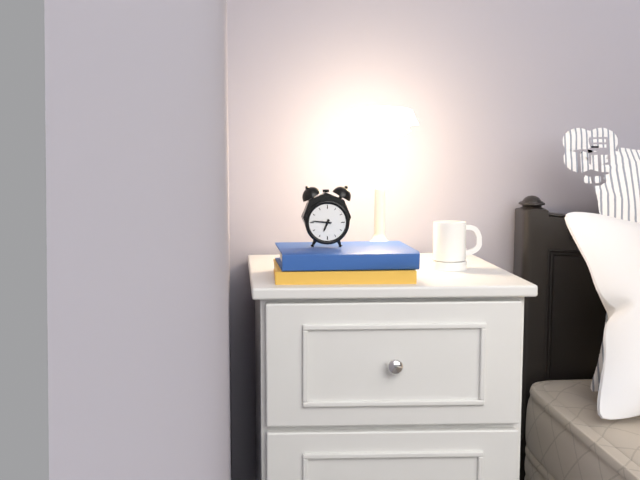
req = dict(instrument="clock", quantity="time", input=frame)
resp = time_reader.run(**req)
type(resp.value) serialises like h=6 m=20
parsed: h=6 m=46
